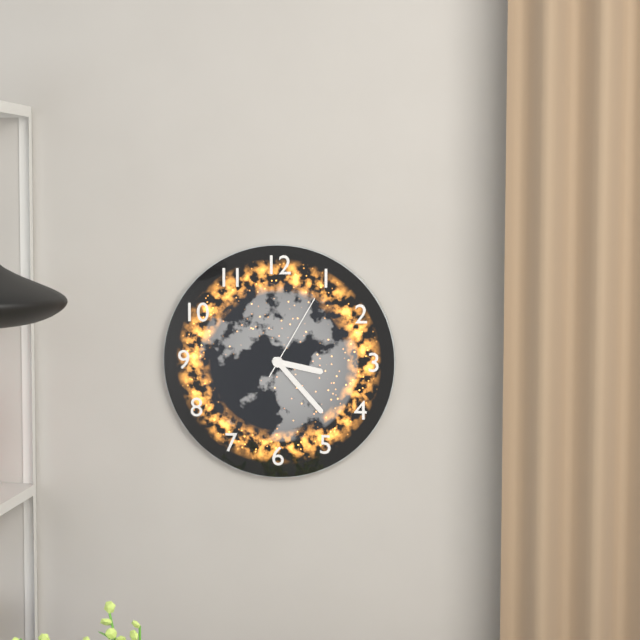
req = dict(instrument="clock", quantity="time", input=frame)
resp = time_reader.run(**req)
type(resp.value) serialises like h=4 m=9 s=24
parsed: h=3 m=23 s=5
